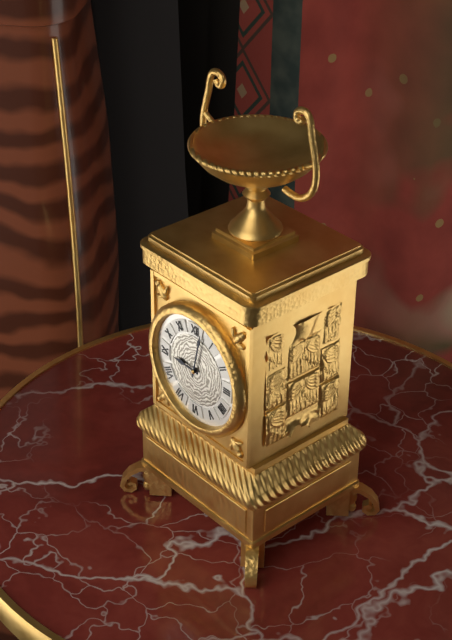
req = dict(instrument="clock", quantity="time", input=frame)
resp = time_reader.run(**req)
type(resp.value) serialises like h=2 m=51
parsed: h=9 m=2
